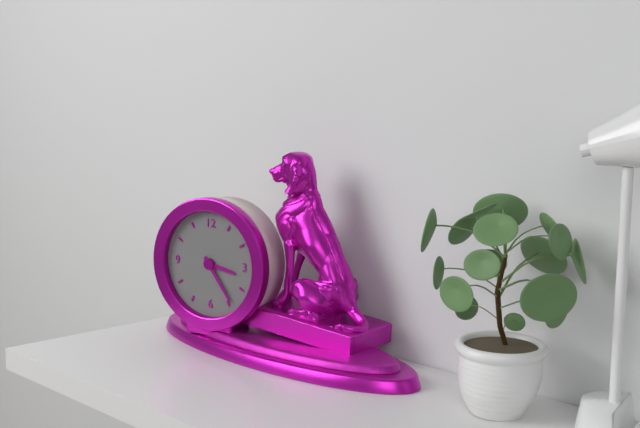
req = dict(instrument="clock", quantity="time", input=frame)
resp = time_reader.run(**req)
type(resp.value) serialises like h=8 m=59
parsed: h=3 m=24
